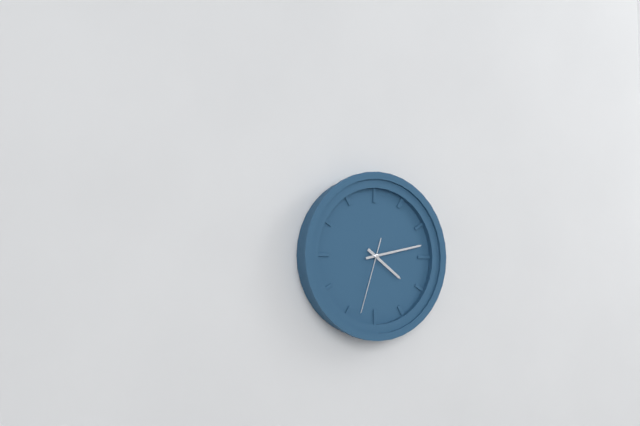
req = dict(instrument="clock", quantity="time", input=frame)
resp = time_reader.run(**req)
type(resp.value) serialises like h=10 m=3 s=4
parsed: h=4 m=13 s=33
